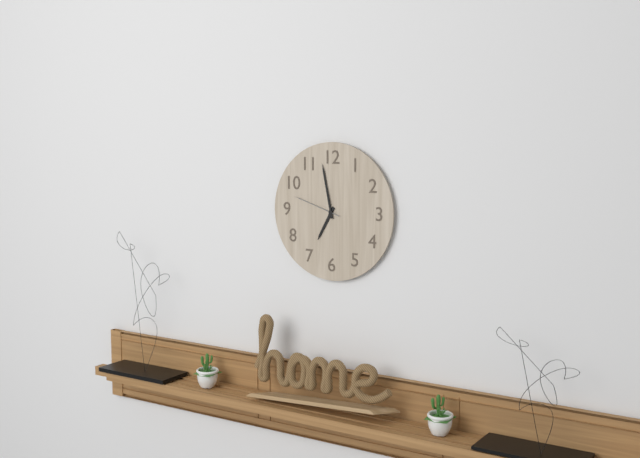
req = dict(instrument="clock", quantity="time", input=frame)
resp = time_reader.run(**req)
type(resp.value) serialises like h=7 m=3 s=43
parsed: h=6 m=58 s=48
